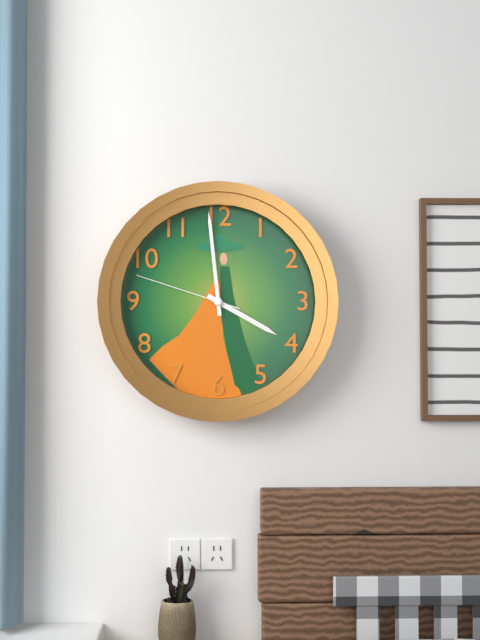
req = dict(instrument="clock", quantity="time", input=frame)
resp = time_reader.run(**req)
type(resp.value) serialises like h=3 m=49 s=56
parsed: h=3 m=59 s=48
